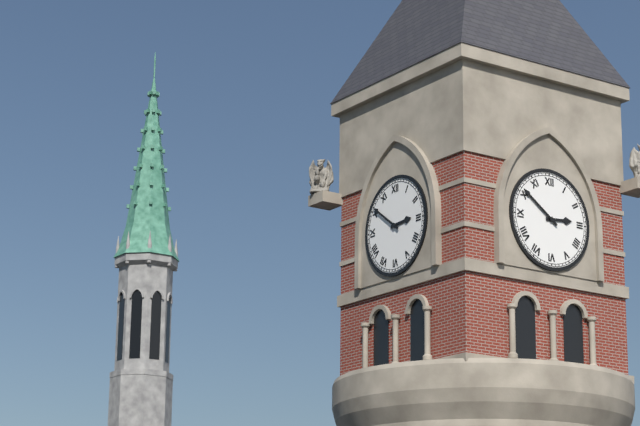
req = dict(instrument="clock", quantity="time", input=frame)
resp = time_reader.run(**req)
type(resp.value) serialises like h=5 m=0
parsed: h=2 m=51
